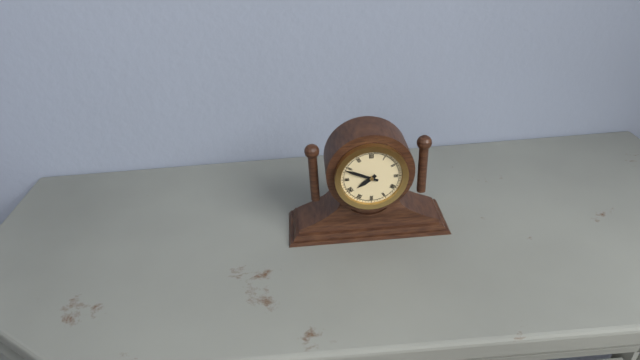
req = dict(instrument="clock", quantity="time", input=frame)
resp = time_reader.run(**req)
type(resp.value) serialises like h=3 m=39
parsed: h=7 m=49
